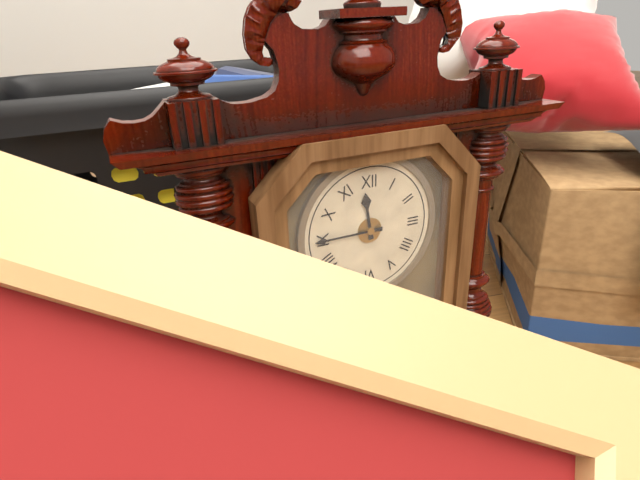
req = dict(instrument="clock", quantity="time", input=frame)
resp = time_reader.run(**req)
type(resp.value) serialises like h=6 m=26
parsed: h=11 m=45
